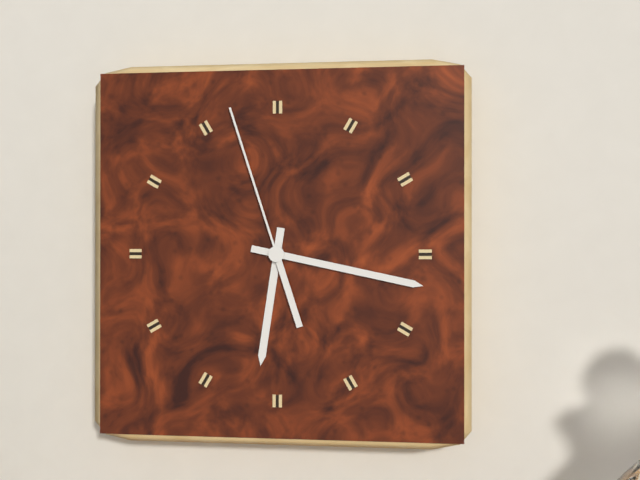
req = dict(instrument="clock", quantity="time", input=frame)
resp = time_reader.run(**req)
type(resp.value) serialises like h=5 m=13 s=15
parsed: h=6 m=17 s=57
